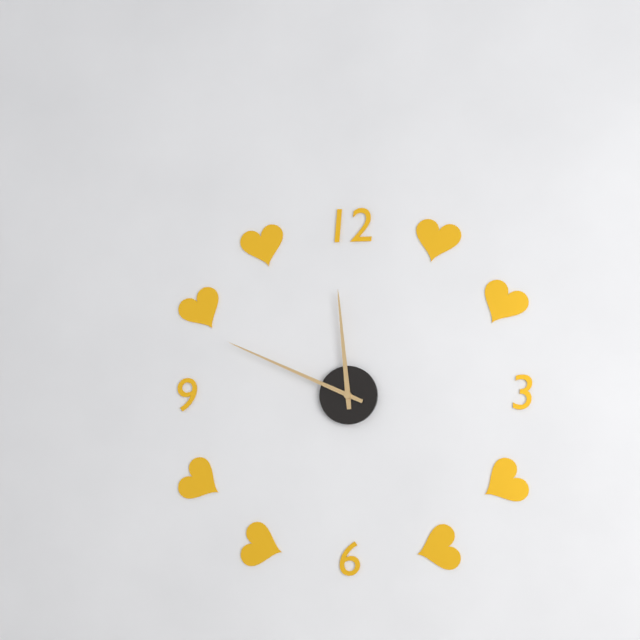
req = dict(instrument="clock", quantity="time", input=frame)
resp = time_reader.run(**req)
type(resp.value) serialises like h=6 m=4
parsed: h=11 m=49
